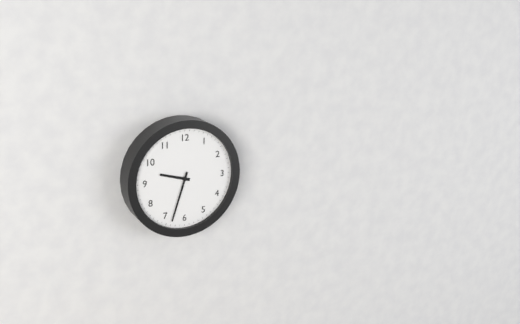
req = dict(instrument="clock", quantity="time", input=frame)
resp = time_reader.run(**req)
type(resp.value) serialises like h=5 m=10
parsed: h=9 m=33
